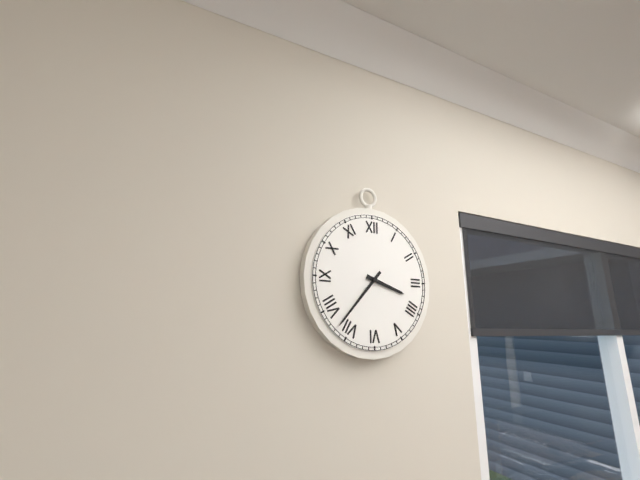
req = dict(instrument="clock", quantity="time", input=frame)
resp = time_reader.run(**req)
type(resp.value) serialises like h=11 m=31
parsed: h=3 m=37
